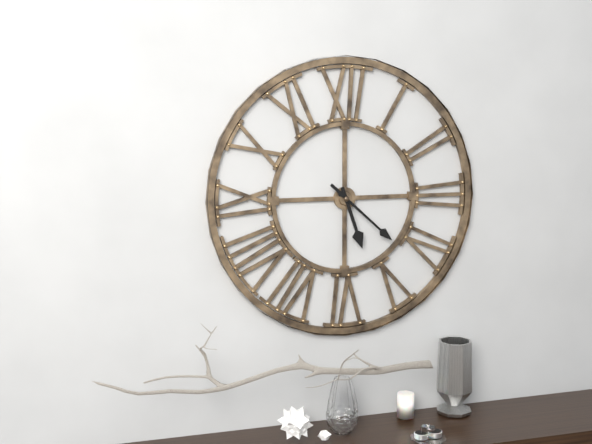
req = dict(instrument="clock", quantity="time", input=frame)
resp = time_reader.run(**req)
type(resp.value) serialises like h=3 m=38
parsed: h=5 m=22
